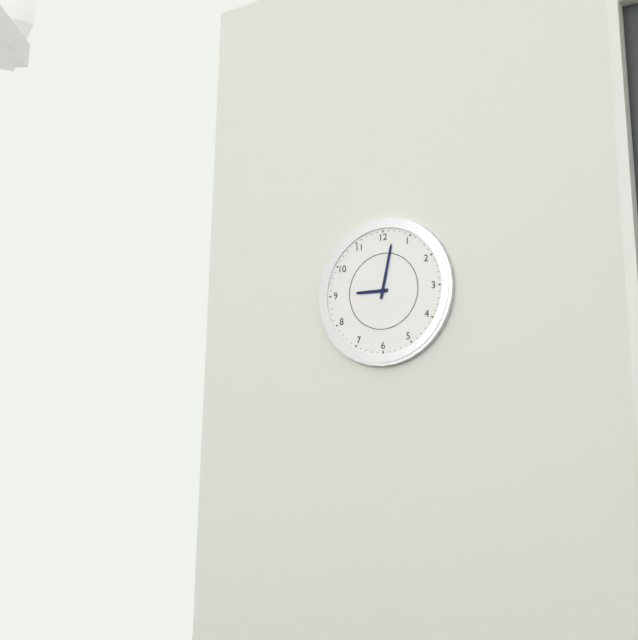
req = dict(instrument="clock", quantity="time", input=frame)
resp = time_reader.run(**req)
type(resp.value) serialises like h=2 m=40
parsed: h=9 m=2
